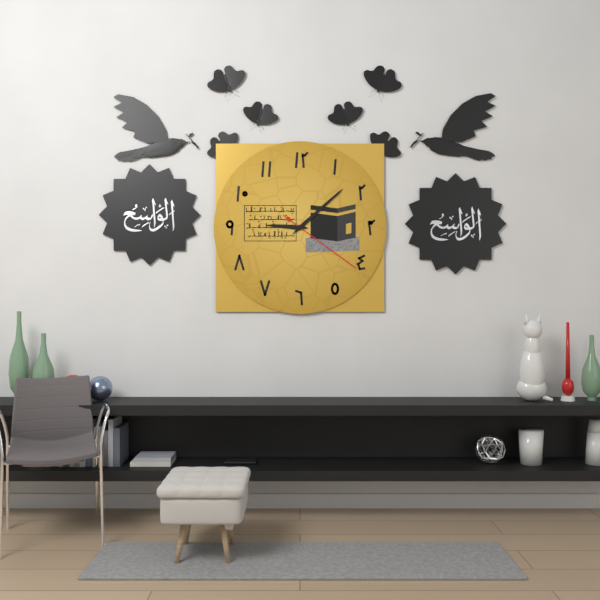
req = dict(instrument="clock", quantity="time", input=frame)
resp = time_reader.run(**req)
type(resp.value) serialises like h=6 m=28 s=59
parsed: h=9 m=8 s=21
